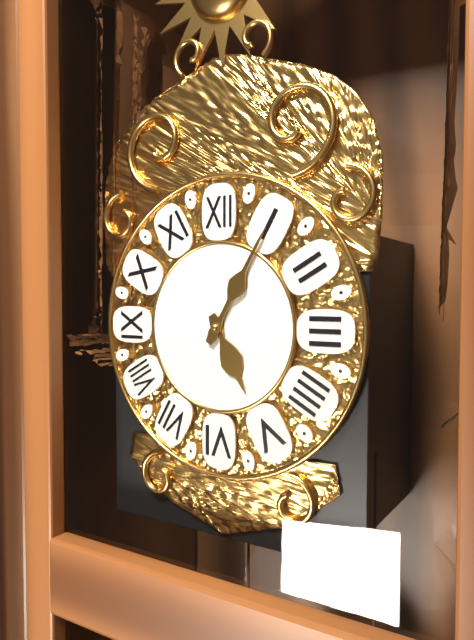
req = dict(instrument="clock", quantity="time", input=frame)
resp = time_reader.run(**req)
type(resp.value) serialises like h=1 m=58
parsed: h=5 m=5
